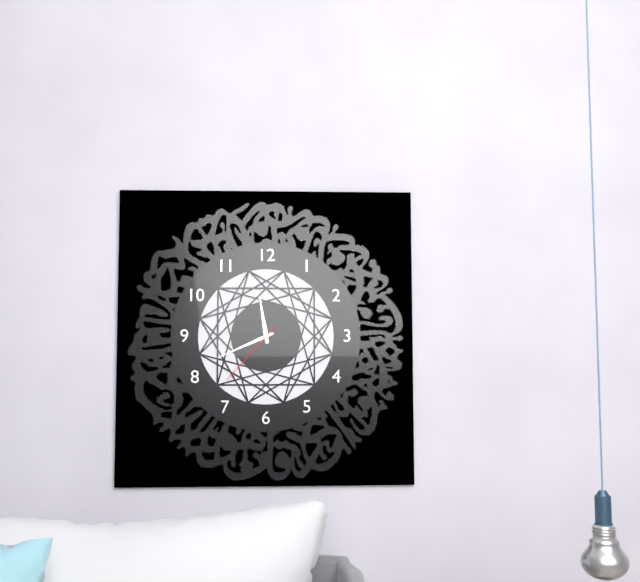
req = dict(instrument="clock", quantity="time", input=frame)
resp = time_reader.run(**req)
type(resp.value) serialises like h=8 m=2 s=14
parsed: h=11 m=41 s=37
